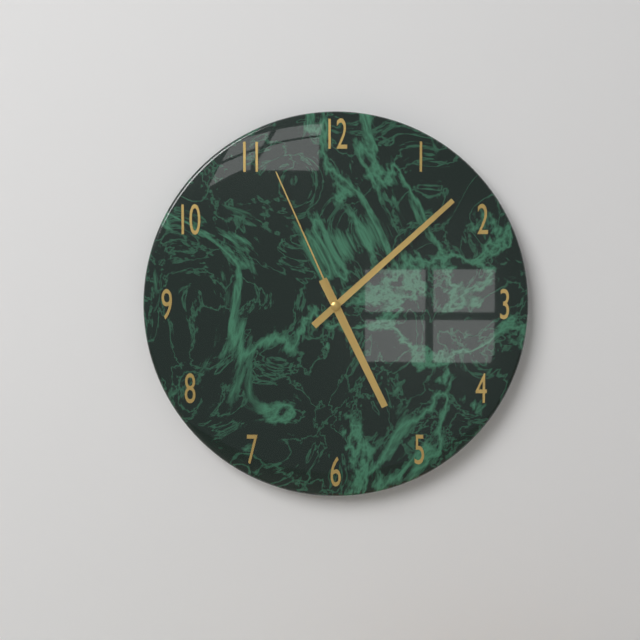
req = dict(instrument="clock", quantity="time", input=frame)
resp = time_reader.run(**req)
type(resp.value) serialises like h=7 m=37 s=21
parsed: h=5 m=8 s=56
